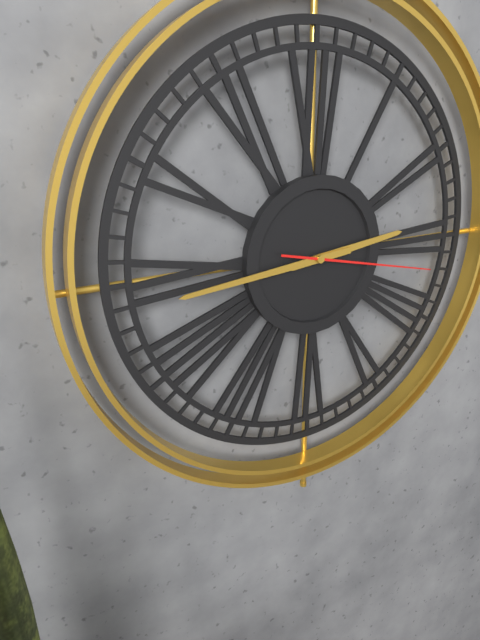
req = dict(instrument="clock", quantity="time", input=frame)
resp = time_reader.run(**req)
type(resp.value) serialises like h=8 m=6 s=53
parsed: h=2 m=44 s=17
